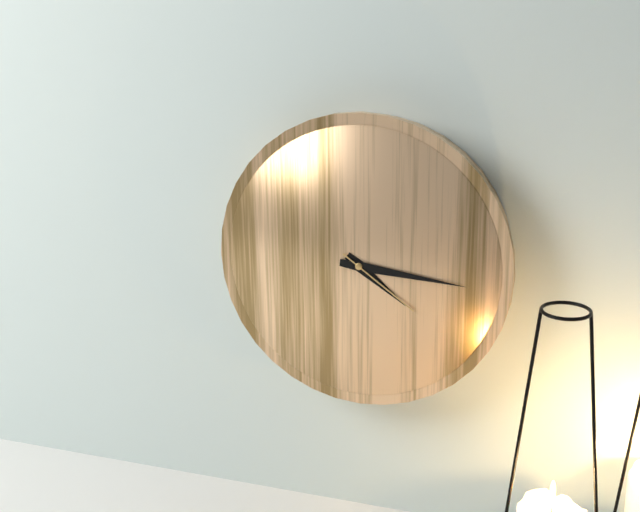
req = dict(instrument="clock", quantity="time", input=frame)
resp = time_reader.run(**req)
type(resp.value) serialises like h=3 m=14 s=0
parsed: h=4 m=16 s=21
